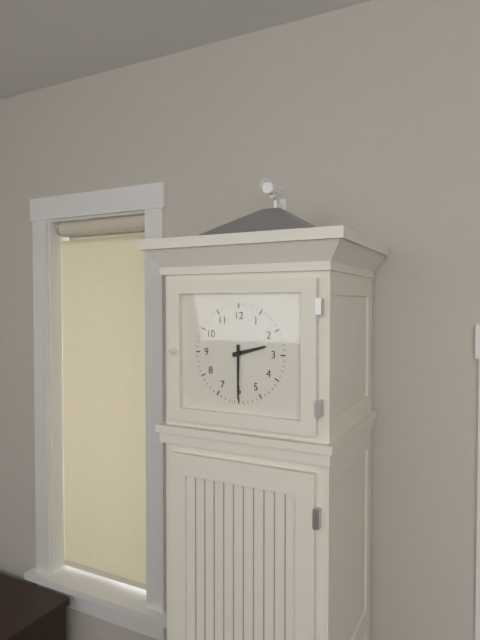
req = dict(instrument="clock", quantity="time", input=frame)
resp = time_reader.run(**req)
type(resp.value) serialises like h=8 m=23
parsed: h=2 m=30
